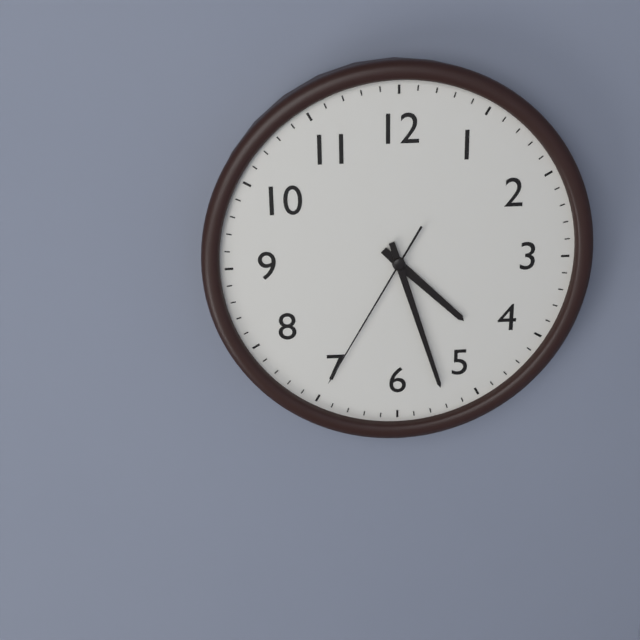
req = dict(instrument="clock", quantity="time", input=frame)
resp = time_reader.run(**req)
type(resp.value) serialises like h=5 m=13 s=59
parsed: h=4 m=27 s=35
